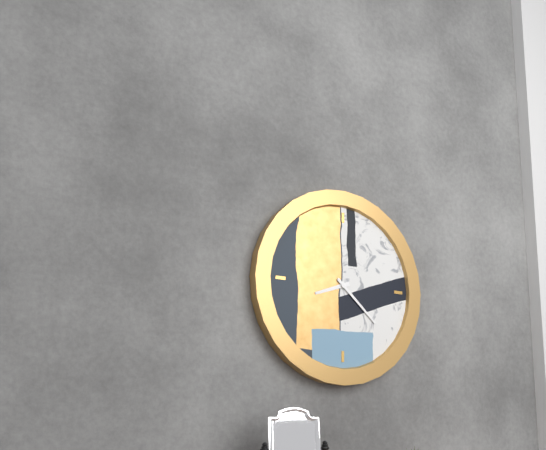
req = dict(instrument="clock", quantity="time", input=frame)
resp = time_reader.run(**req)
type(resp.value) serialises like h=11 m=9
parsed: h=8 m=22
